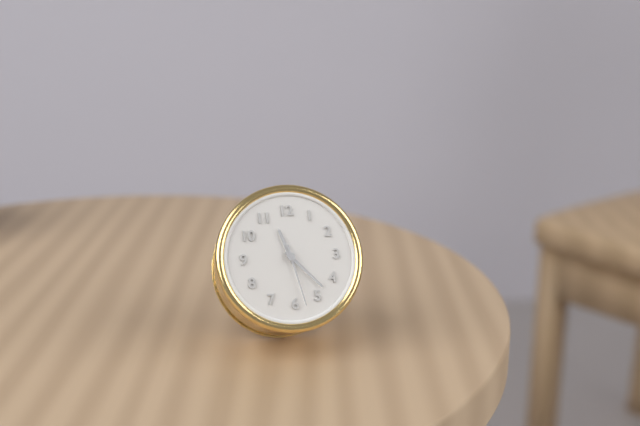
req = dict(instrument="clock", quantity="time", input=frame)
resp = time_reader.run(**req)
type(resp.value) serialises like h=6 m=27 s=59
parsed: h=11 m=23 s=28
